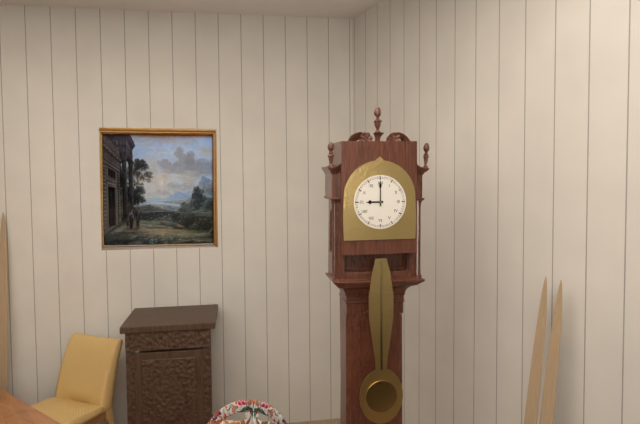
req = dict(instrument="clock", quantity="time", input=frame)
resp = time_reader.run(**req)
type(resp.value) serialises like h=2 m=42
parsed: h=9 m=0
